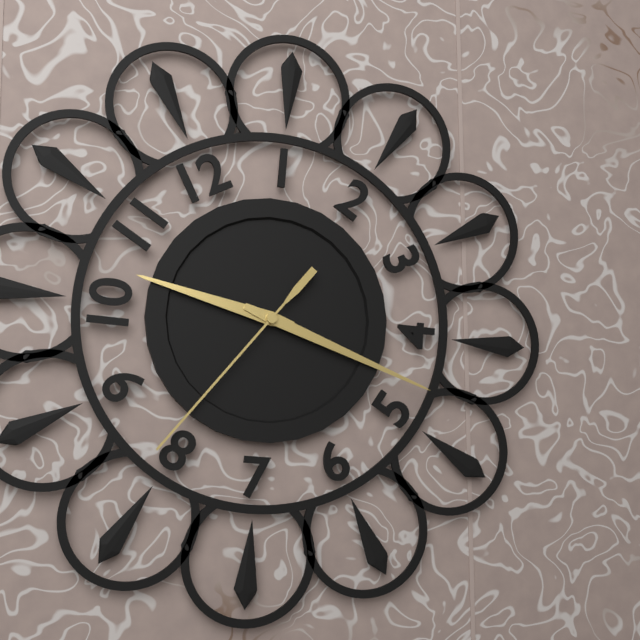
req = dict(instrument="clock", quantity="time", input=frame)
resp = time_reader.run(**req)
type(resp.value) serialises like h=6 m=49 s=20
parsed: h=10 m=23 s=41
